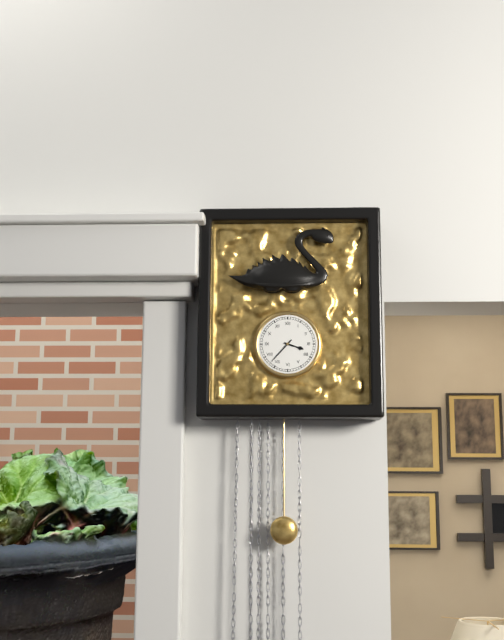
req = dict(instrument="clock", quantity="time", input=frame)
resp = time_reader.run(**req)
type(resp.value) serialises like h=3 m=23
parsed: h=3 m=37
